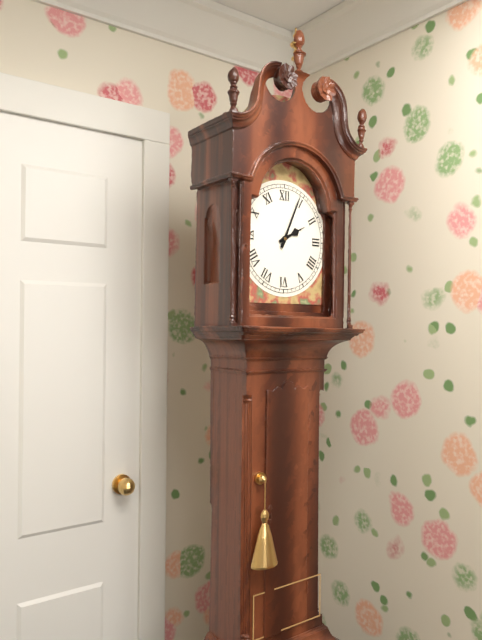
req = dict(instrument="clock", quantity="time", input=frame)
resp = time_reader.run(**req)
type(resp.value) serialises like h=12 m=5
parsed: h=2 m=4
